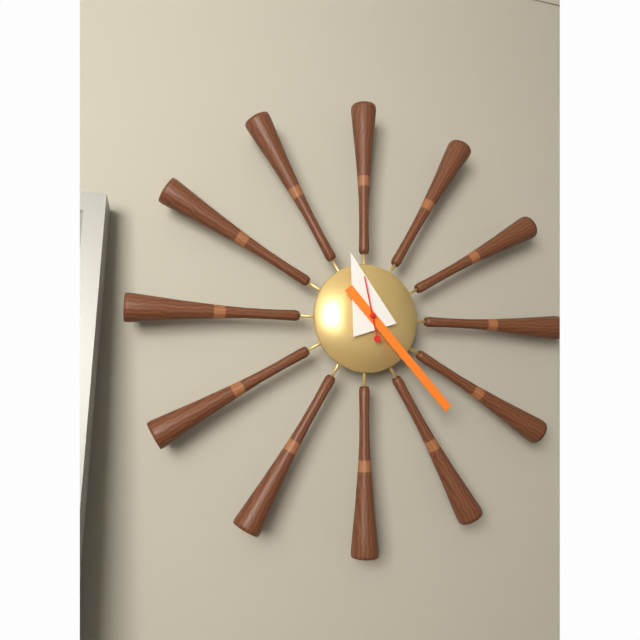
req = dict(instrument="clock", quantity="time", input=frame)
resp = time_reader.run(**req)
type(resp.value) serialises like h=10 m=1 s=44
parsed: h=11 m=23 s=58
